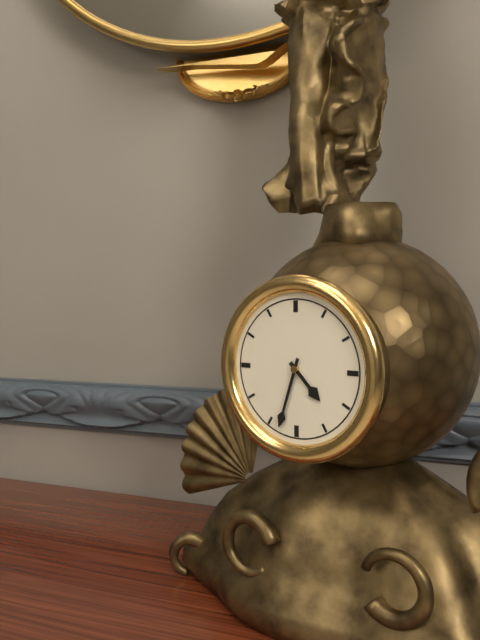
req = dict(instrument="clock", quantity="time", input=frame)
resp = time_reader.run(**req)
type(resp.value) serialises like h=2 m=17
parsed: h=4 m=33
